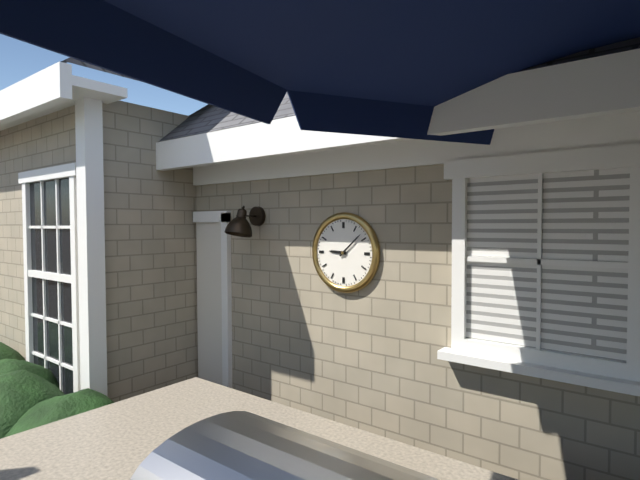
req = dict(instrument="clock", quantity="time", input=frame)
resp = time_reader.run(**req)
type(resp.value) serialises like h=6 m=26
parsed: h=9 m=8
